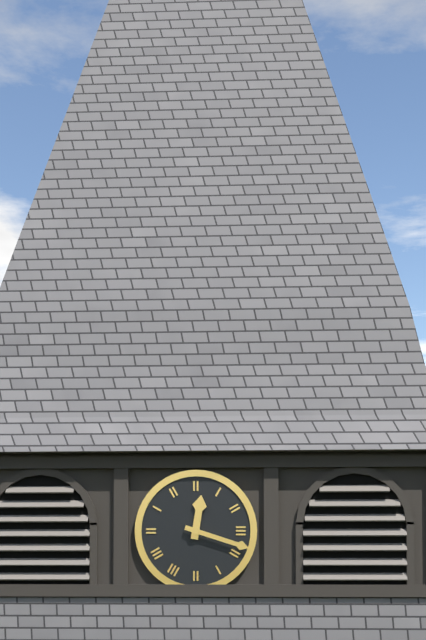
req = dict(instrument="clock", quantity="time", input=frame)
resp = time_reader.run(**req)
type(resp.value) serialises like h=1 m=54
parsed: h=12 m=18
